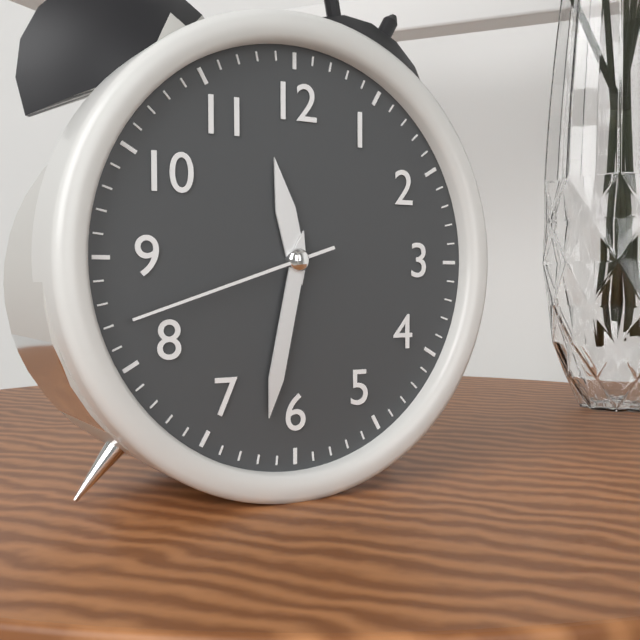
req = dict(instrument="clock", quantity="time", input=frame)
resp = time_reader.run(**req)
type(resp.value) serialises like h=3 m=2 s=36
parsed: h=11 m=32 s=42
